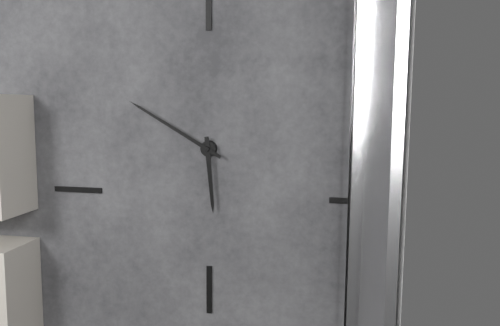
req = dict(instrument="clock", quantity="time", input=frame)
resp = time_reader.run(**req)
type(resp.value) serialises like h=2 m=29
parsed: h=5 m=50
